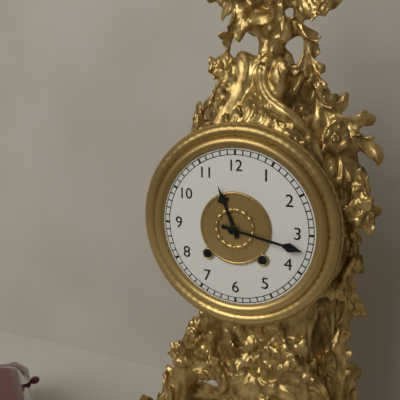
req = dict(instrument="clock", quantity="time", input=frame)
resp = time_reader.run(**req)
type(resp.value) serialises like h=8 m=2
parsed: h=11 m=17
